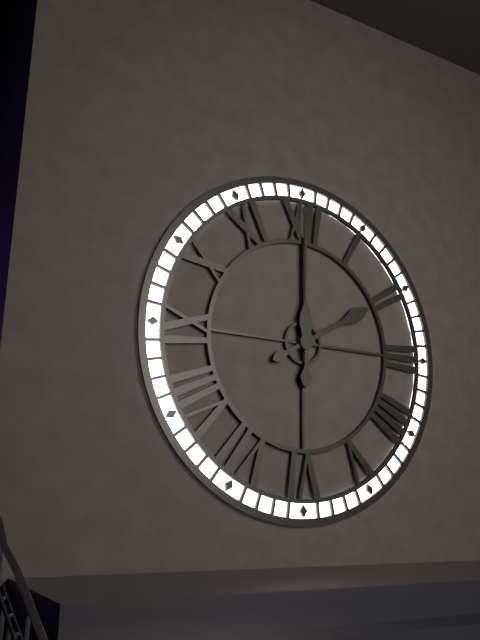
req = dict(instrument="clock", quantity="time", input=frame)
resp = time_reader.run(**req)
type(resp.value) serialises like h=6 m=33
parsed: h=2 m=0
